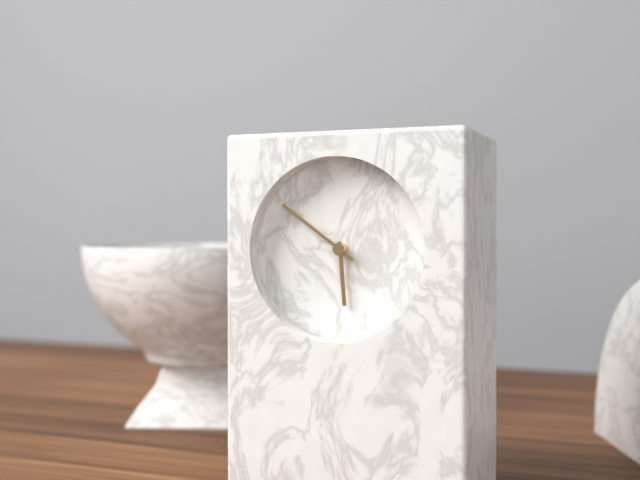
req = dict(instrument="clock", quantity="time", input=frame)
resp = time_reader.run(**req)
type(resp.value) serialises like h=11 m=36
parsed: h=5 m=51
